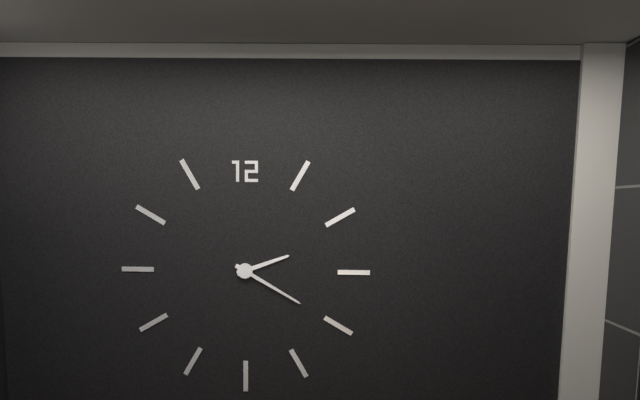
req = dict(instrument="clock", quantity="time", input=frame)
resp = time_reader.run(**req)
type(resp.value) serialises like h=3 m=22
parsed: h=2 m=20
